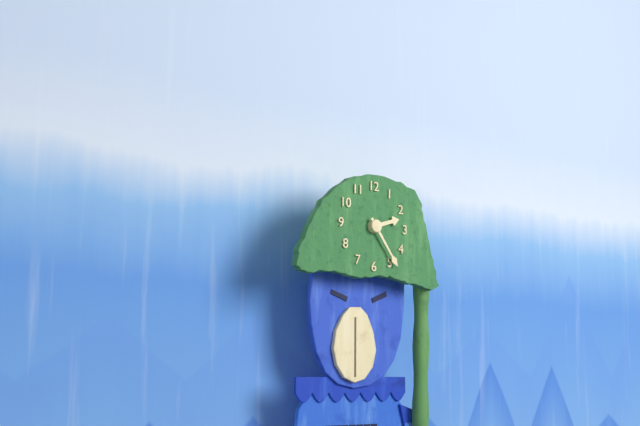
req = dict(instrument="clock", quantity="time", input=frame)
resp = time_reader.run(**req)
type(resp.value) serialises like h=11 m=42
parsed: h=2 m=24
